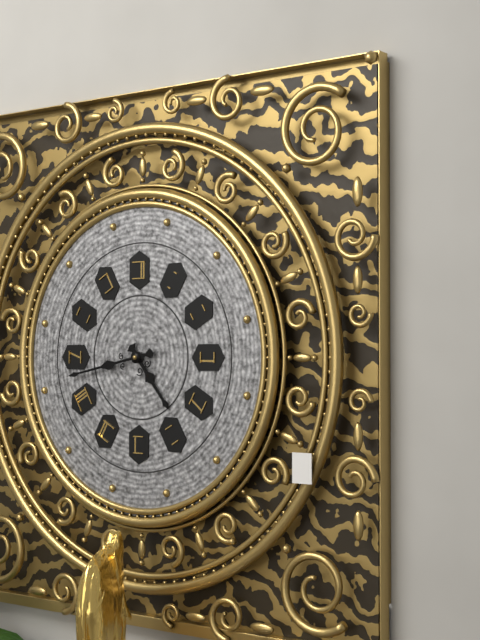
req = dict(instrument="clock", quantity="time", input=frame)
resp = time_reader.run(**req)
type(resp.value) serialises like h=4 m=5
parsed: h=4 m=43
